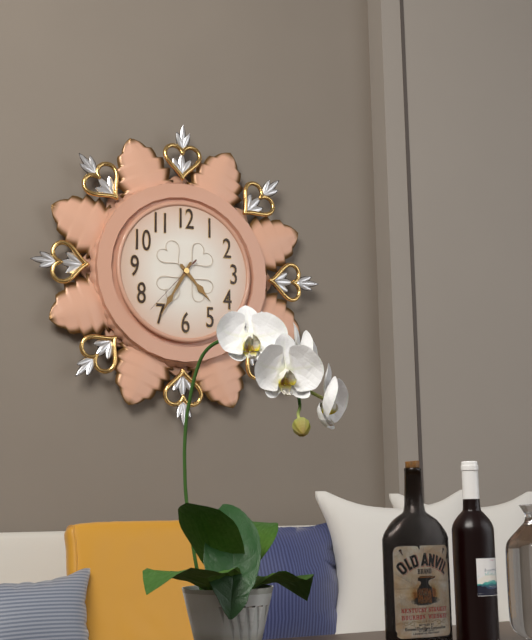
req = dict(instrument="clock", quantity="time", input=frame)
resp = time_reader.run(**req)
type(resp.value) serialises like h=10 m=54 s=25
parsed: h=4 m=35 s=37
